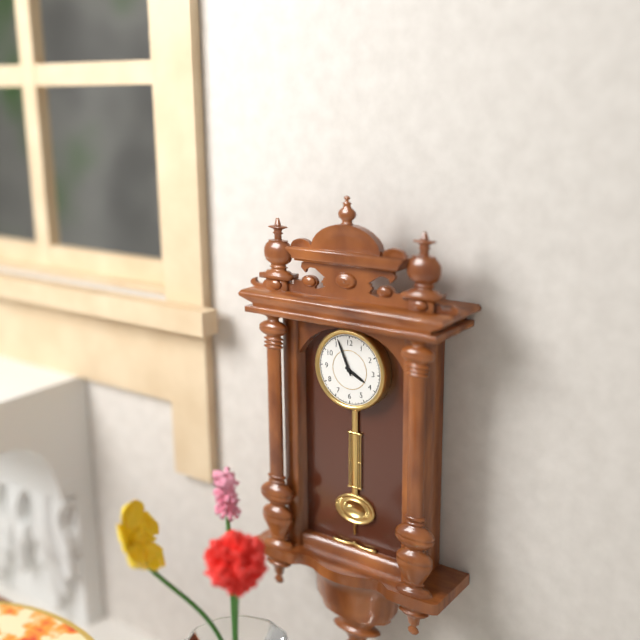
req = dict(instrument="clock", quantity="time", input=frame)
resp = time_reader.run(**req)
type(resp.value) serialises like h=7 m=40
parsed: h=3 m=56
